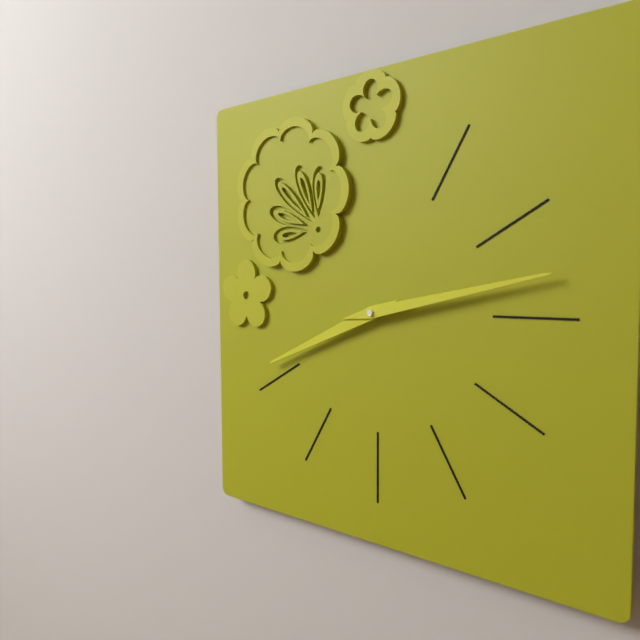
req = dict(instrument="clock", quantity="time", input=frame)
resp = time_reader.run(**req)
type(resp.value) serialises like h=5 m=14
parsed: h=8 m=13
